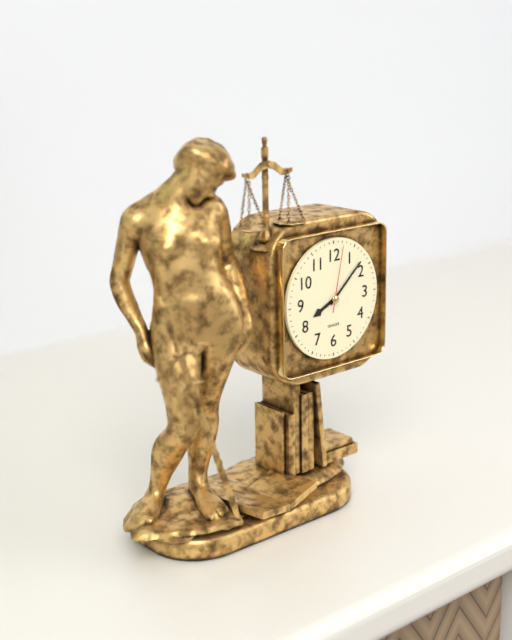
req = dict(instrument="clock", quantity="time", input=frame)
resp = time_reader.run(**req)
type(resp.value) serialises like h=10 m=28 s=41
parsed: h=8 m=8 s=2
